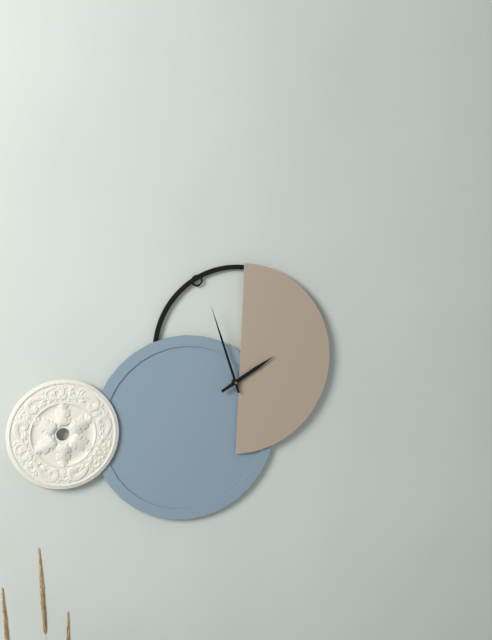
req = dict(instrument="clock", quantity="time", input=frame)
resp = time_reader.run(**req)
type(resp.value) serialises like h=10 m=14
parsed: h=1 m=57
